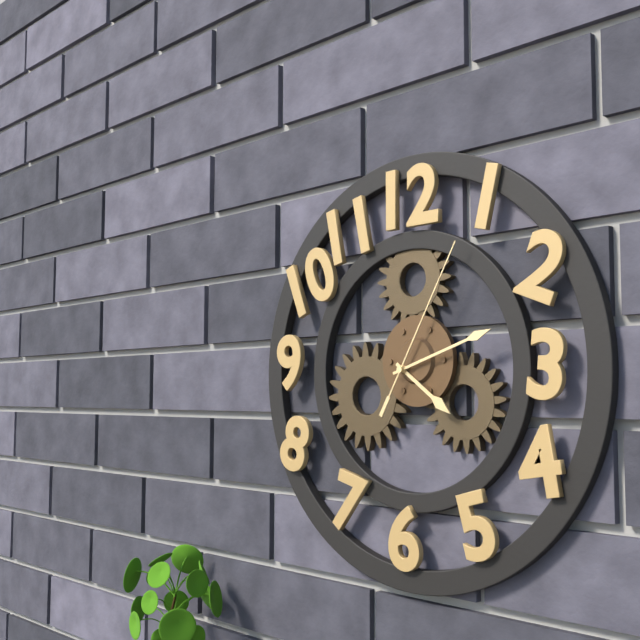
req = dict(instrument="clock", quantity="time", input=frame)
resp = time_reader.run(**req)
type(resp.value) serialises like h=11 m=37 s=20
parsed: h=4 m=12 s=5
